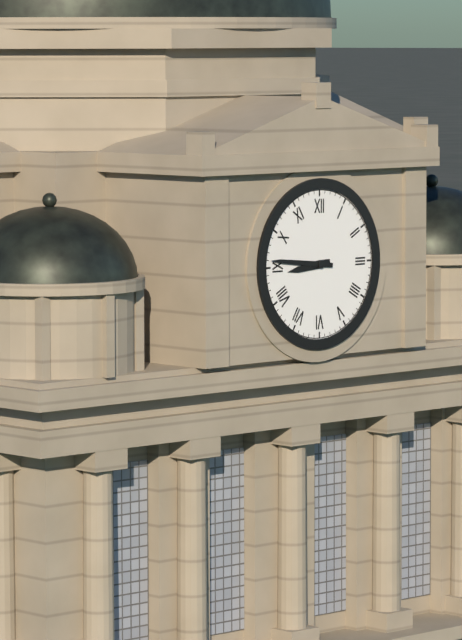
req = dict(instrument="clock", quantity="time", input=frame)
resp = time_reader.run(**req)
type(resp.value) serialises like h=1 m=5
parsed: h=8 m=46
